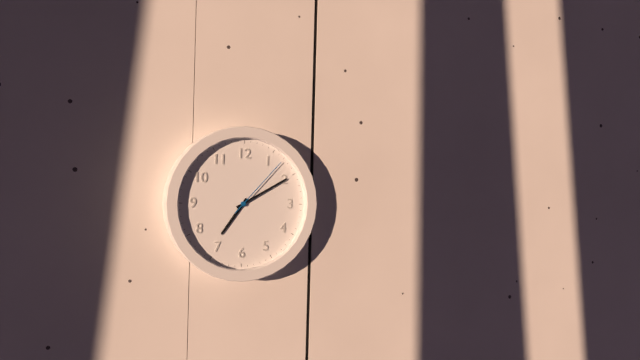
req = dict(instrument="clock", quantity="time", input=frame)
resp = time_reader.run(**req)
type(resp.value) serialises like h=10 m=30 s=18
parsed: h=7 m=10 s=7
